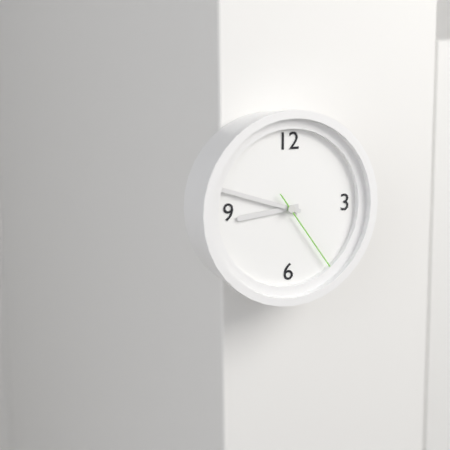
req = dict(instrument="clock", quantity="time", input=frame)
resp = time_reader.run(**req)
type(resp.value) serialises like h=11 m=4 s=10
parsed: h=8 m=48 s=24
